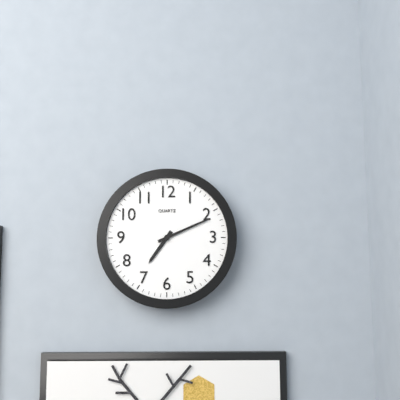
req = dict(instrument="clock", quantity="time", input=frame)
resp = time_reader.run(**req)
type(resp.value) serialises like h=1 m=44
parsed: h=7 m=11
